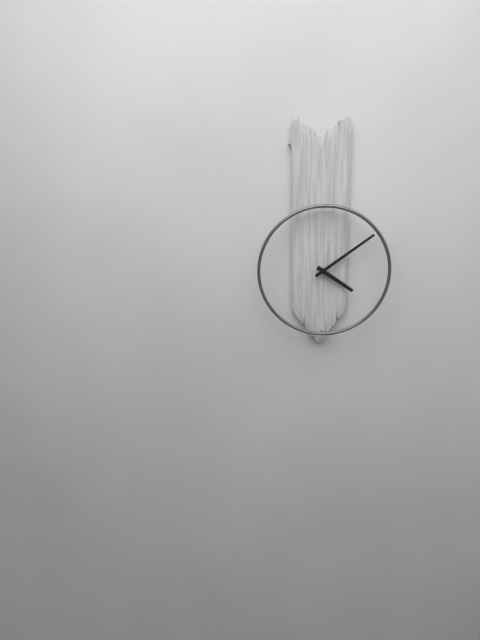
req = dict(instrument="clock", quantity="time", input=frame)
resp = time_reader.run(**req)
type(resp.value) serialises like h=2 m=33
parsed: h=4 m=9
